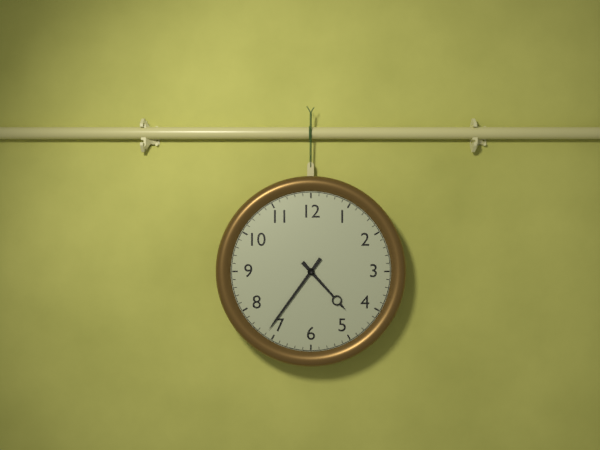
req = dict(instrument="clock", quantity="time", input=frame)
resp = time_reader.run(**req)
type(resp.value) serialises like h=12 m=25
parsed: h=4 m=36
